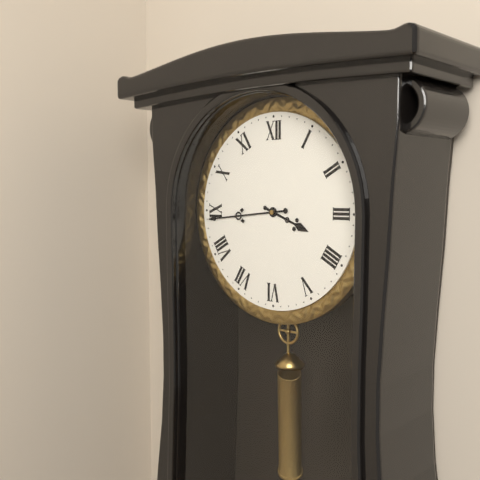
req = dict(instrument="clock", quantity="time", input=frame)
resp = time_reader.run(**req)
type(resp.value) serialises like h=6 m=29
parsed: h=3 m=44
